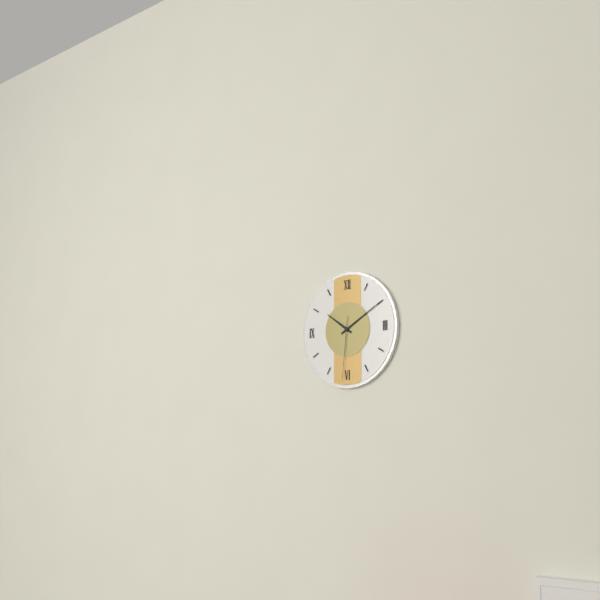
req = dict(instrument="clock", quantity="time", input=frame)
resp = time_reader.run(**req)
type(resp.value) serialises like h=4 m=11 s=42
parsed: h=10 m=10 s=31
